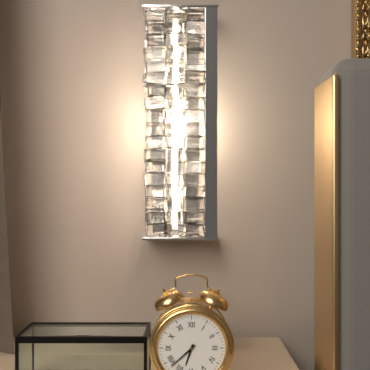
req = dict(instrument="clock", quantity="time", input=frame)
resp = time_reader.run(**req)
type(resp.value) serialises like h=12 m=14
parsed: h=6 m=38
